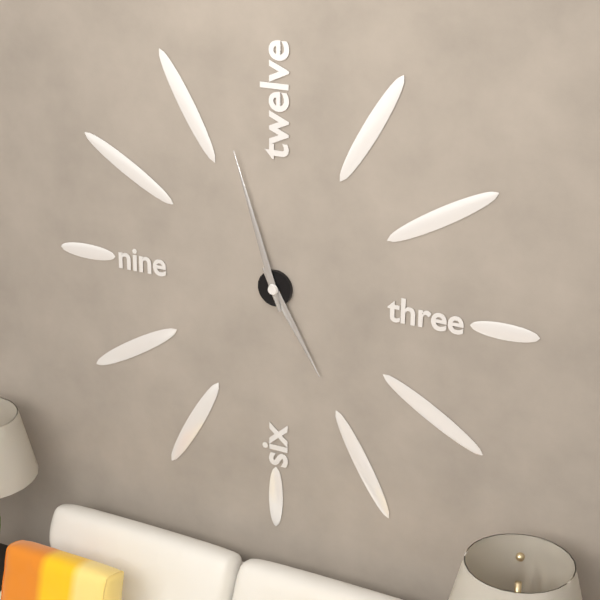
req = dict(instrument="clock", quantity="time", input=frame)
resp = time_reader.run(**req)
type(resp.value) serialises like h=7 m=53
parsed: h=4 m=57
